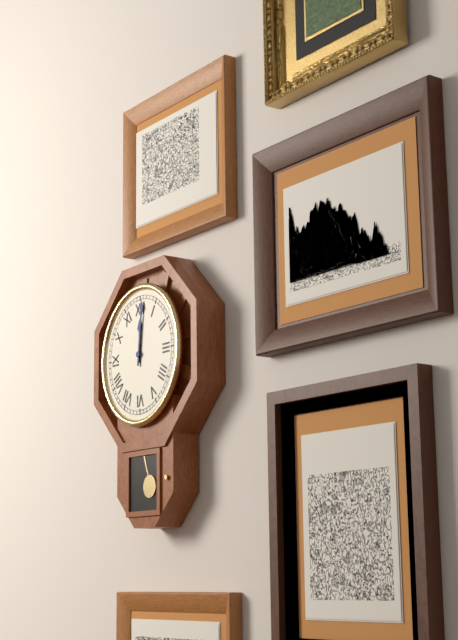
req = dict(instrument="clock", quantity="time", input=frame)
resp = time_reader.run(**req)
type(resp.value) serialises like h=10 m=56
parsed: h=12 m=1
